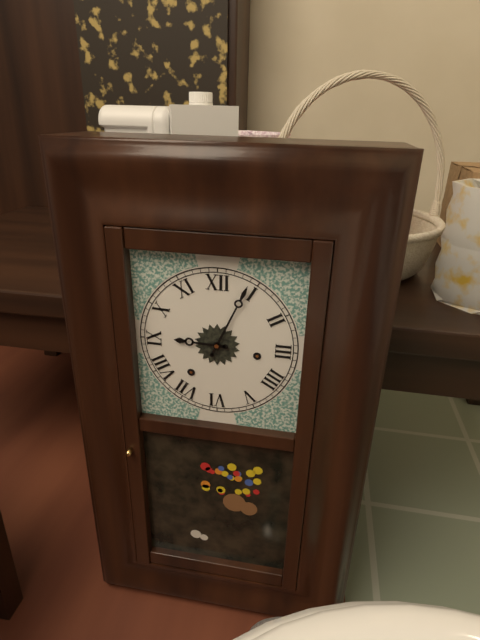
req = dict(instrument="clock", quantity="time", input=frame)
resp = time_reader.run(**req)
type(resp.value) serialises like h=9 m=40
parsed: h=9 m=4
